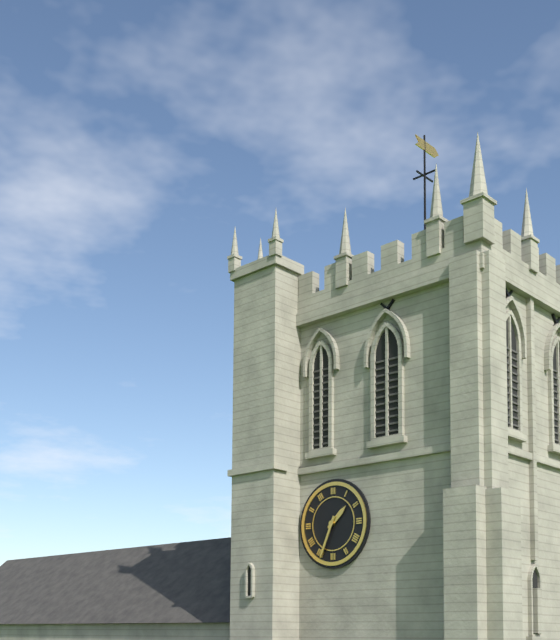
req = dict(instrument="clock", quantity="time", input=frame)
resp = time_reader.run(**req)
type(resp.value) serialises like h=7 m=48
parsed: h=1 m=34
